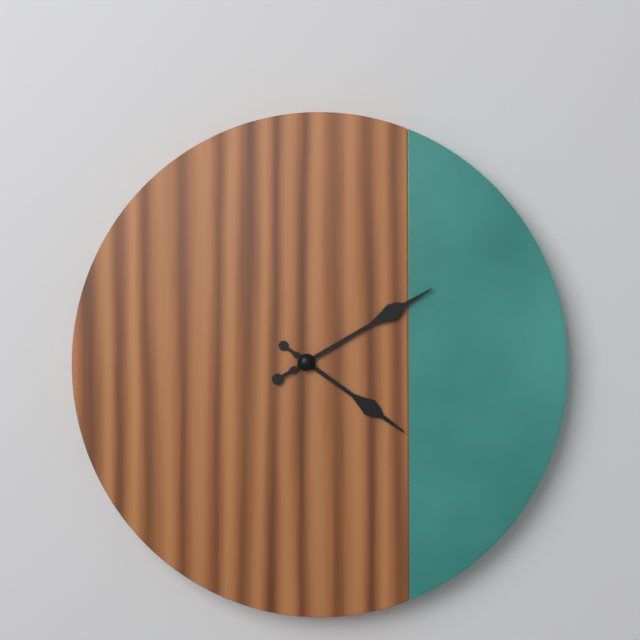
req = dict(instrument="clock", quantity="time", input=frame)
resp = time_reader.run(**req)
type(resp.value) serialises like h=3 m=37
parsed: h=4 m=10
